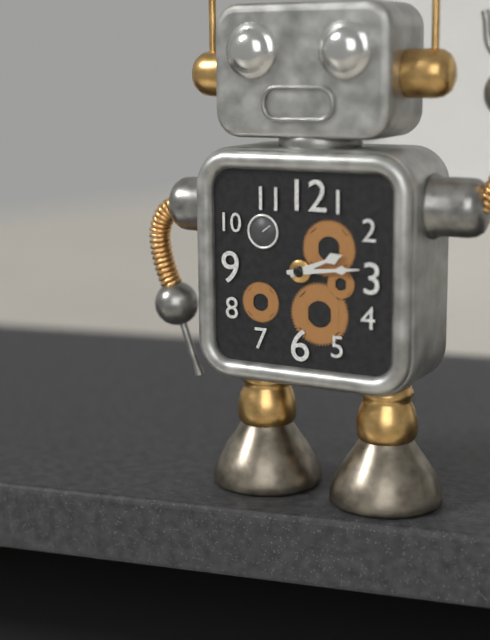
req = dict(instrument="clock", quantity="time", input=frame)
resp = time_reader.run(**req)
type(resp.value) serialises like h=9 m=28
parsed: h=2 m=14
